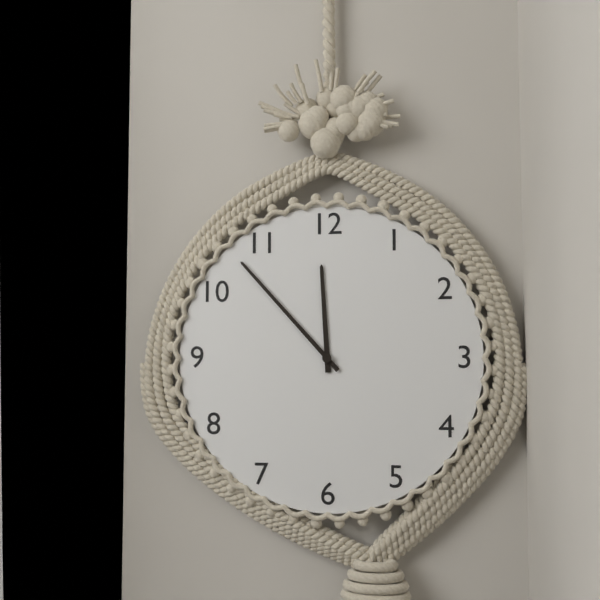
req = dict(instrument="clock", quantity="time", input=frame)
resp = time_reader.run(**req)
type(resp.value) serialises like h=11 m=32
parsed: h=11 m=53
